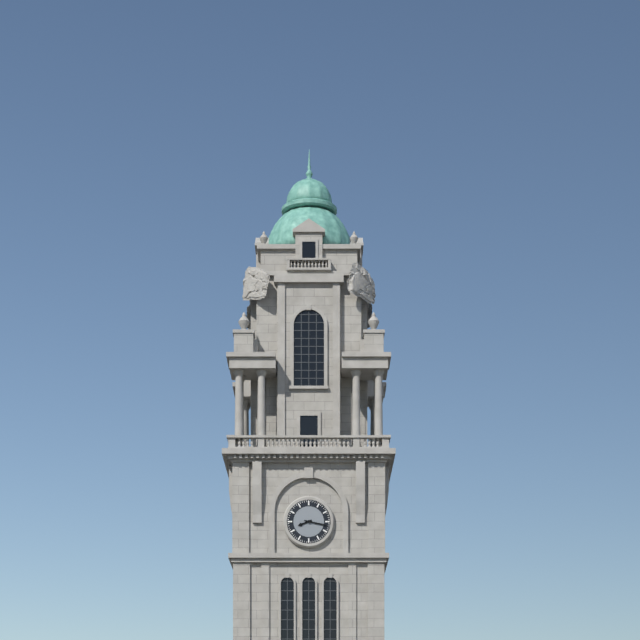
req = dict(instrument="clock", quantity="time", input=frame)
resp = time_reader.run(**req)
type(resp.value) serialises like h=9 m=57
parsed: h=8 m=17
